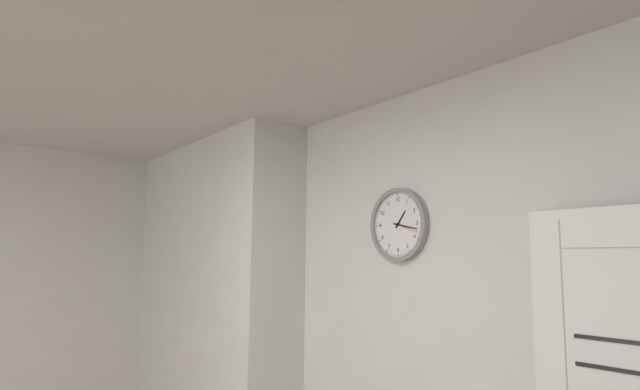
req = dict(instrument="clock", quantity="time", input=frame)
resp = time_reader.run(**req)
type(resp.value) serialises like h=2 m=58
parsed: h=1 m=17
